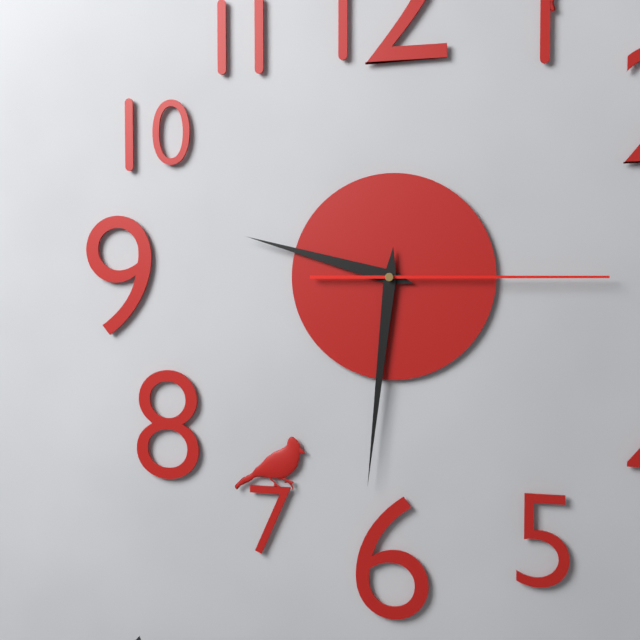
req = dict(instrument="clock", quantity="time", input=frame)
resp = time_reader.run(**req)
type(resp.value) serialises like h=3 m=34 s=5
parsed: h=9 m=31 s=15
